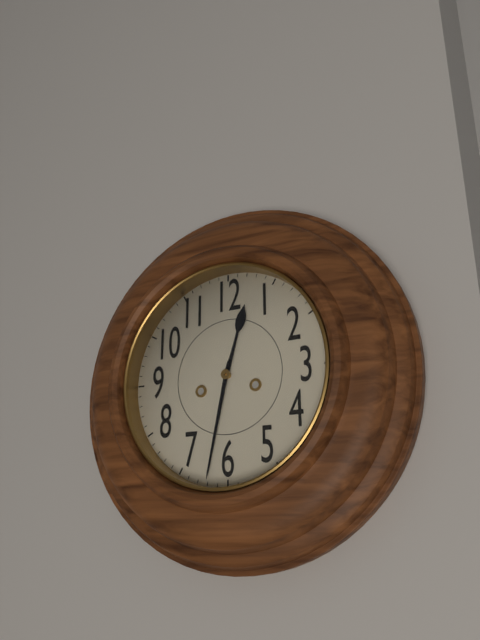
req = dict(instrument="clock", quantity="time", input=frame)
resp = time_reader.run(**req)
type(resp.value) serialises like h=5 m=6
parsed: h=12 m=32
